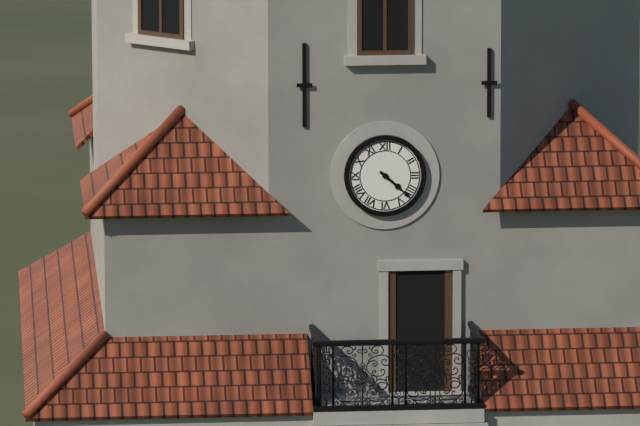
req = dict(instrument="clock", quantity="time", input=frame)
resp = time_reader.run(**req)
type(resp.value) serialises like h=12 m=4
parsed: h=4 m=22
